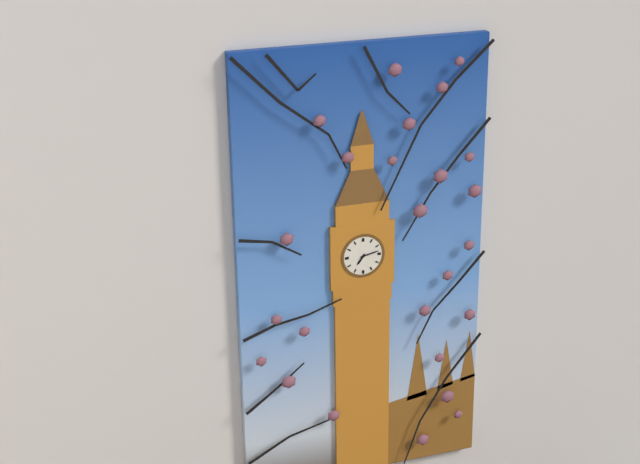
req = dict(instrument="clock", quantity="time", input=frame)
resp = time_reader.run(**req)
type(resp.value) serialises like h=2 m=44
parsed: h=7 m=13
